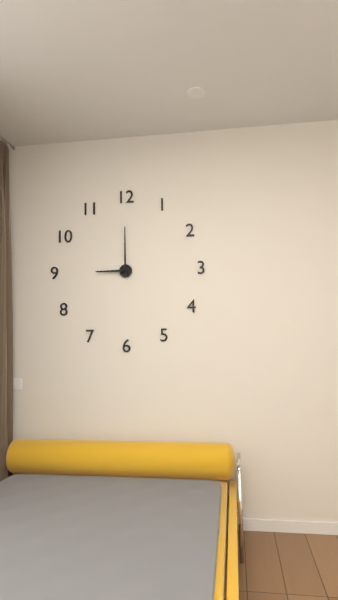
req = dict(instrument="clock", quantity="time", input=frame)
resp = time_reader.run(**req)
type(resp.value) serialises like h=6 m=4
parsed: h=9 m=0
